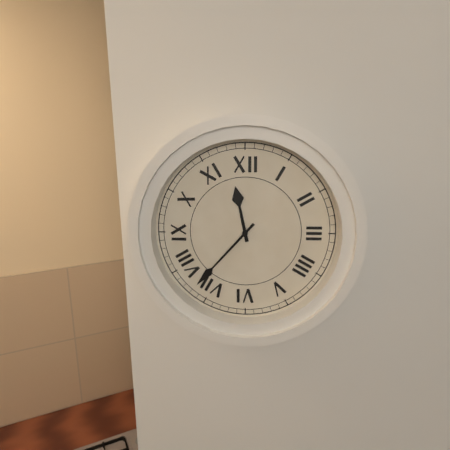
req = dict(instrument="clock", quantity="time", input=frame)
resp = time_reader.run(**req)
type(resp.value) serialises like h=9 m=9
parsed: h=11 m=37
